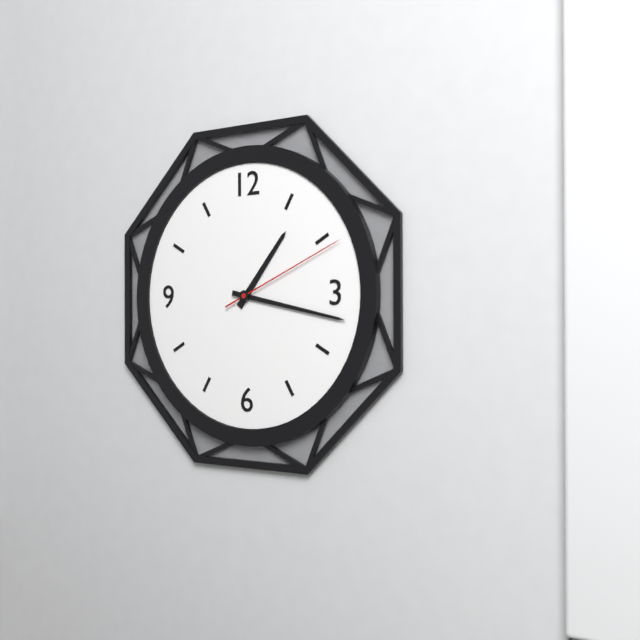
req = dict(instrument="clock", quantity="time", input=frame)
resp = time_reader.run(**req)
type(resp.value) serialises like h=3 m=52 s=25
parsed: h=1 m=17 s=11
